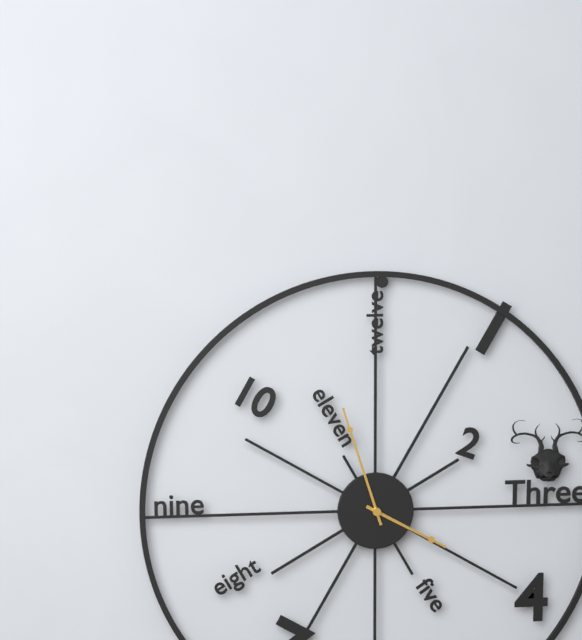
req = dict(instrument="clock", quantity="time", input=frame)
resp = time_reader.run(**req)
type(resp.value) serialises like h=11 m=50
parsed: h=3 m=57
